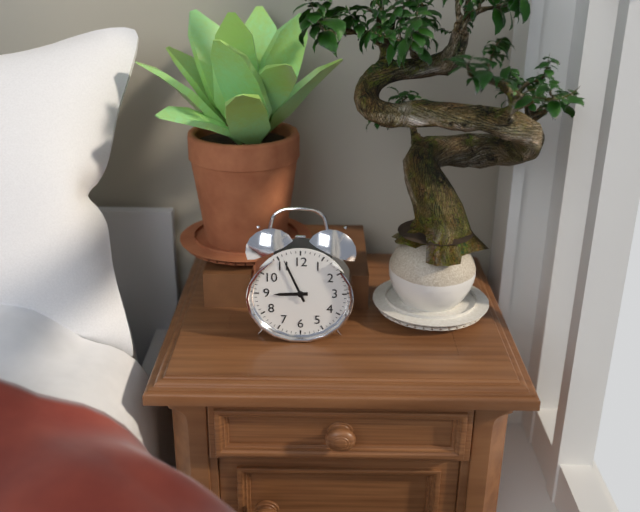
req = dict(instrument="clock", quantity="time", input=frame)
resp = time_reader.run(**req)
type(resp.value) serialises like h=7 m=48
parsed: h=8 m=56
